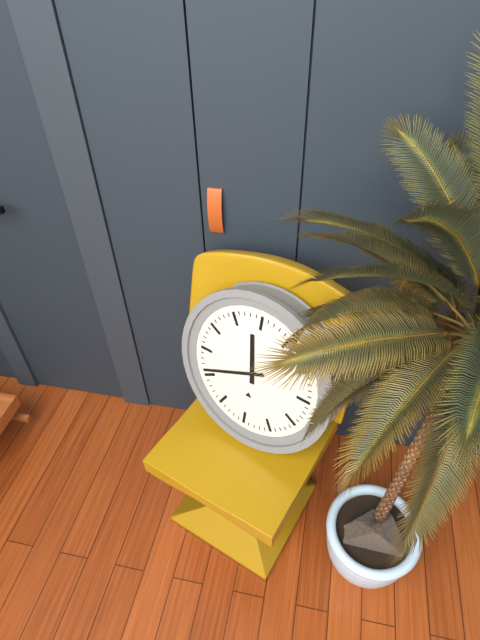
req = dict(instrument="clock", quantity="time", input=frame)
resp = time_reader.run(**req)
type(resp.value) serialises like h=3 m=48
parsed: h=11 m=41
